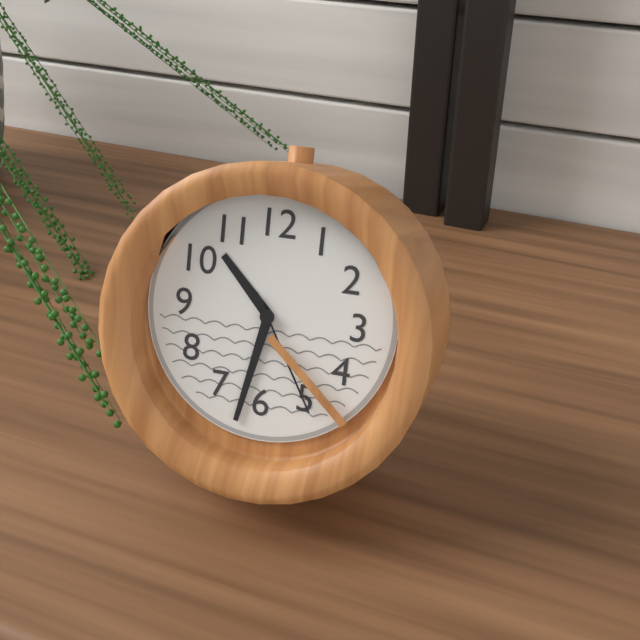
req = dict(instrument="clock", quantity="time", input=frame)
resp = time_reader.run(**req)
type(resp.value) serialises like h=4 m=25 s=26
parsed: h=10 m=32 s=25
